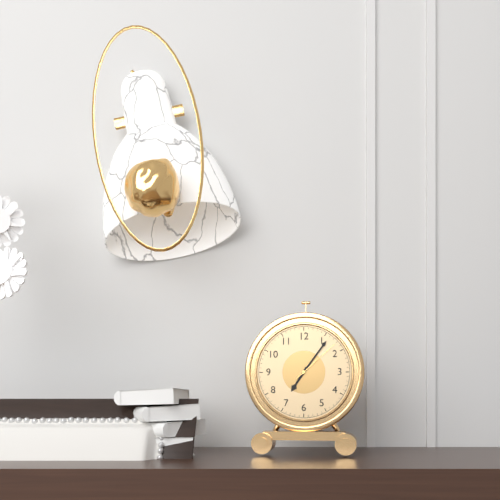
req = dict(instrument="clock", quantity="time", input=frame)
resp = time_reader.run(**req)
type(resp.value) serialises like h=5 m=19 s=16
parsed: h=7 m=6 s=8
